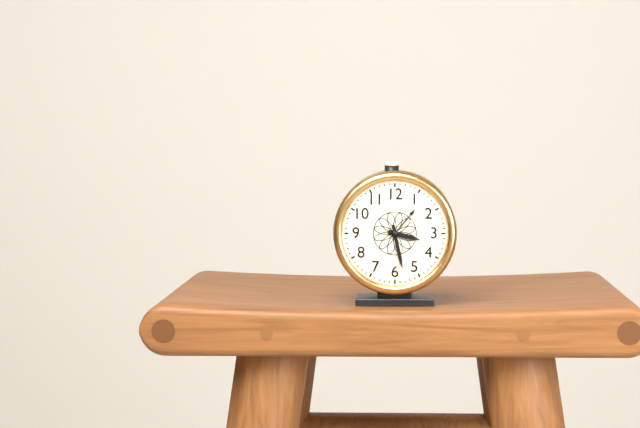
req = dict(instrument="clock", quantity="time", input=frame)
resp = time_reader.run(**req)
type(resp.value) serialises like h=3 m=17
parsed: h=3 m=28
